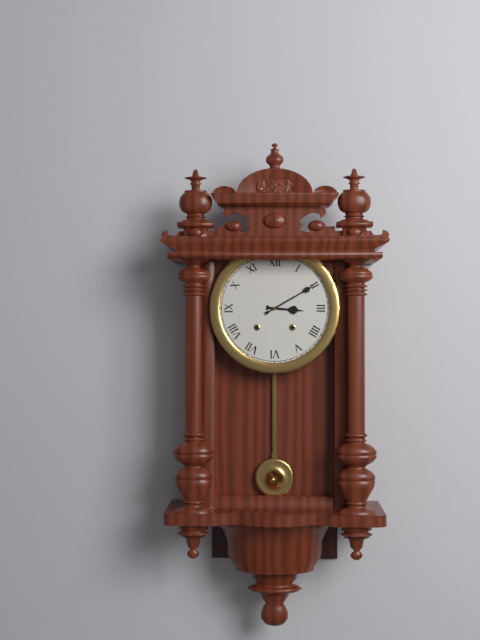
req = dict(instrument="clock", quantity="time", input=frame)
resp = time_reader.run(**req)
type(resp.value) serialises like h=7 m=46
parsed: h=3 m=10
